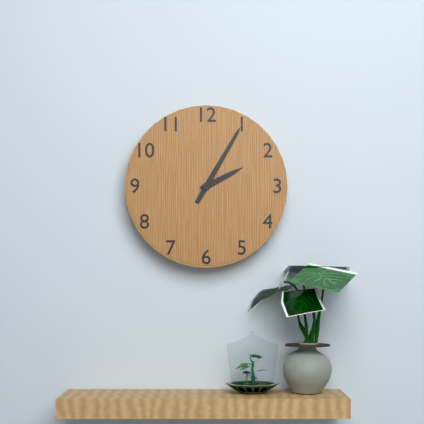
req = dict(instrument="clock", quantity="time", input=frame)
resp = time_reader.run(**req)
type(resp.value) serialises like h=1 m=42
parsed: h=2 m=5
